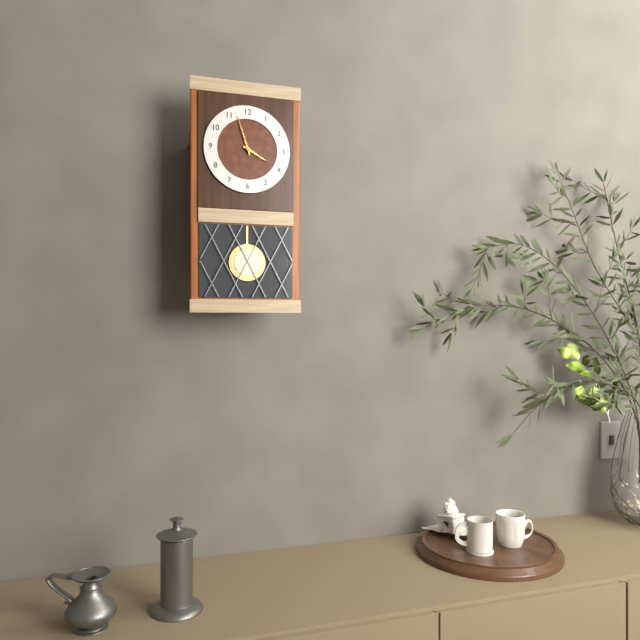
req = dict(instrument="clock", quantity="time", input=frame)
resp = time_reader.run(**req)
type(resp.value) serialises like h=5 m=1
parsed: h=3 m=57
